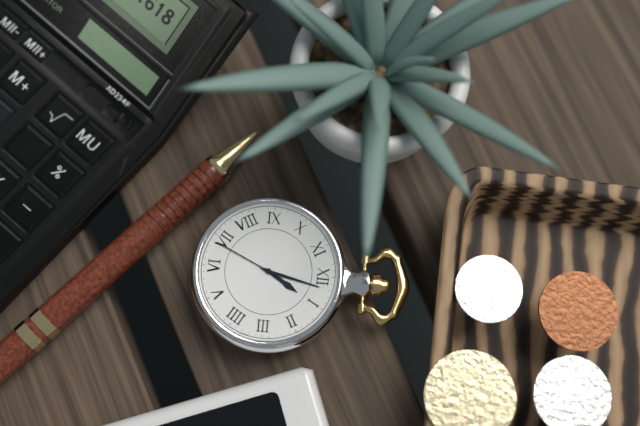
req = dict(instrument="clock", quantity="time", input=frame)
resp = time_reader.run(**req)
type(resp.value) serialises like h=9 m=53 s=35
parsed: h=1 m=2 s=34
